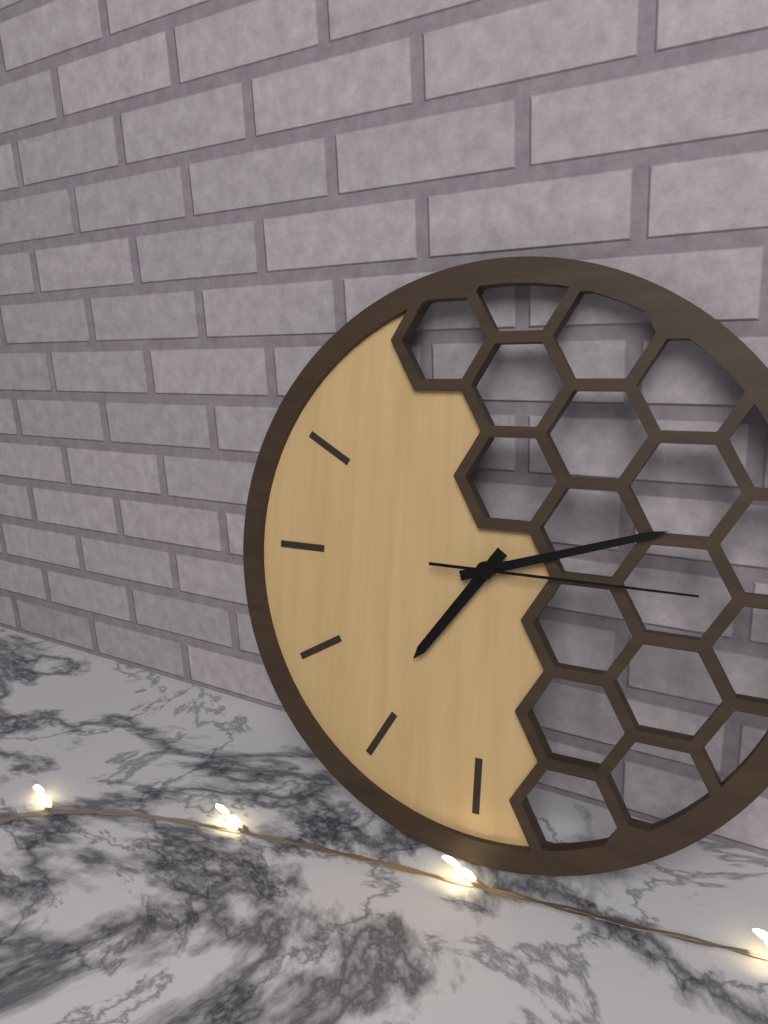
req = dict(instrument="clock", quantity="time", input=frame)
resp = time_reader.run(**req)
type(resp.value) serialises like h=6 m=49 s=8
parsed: h=7 m=12 s=15
